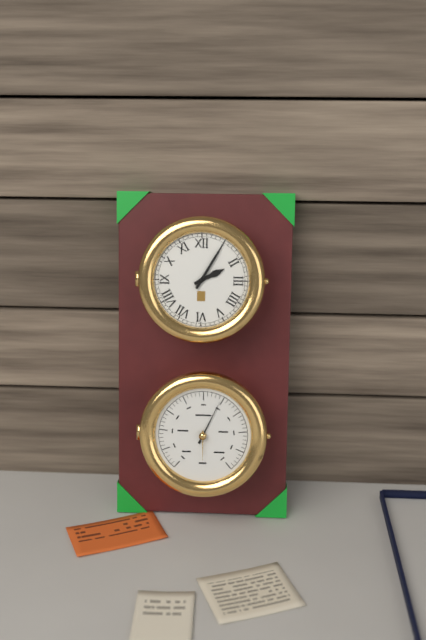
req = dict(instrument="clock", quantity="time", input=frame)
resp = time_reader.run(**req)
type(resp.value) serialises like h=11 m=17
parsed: h=2 m=5
